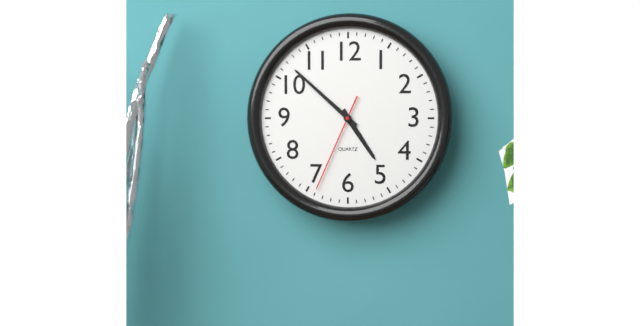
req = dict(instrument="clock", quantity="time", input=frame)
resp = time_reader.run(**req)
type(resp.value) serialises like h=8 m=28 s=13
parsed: h=4 m=52 s=34
